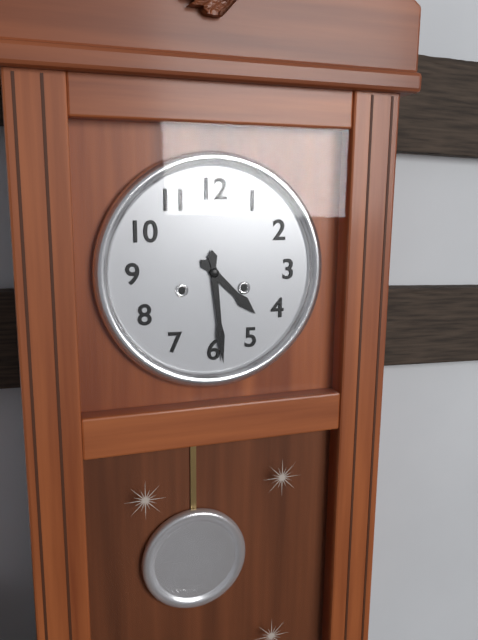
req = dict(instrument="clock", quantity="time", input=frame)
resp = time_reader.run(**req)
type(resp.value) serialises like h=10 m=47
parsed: h=4 m=29
